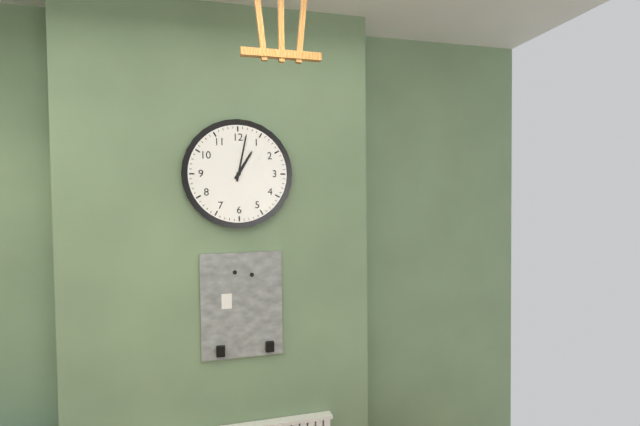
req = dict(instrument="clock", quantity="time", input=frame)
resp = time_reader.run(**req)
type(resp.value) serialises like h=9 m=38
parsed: h=1 m=2
